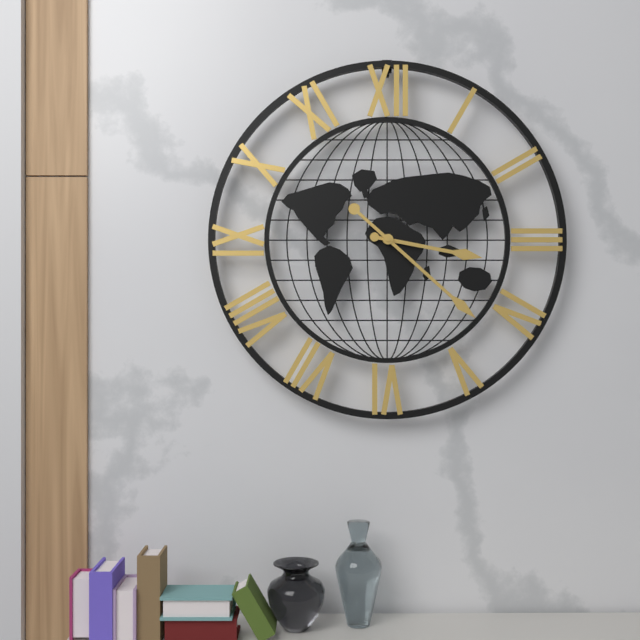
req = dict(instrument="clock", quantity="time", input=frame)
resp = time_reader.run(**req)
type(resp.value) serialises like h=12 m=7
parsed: h=3 m=22
